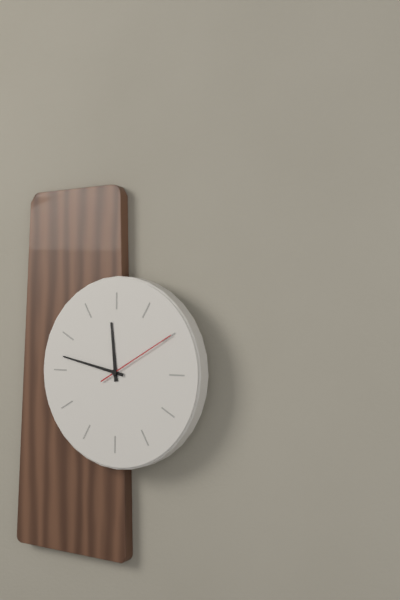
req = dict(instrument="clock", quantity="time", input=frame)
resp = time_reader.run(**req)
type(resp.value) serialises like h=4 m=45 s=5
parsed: h=11 m=47 s=10
